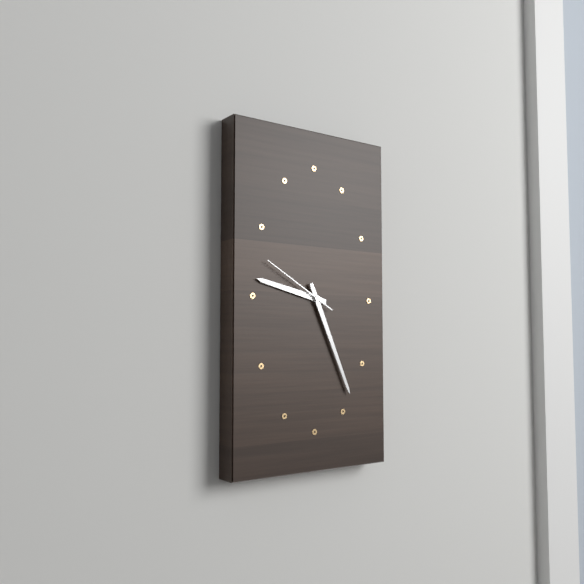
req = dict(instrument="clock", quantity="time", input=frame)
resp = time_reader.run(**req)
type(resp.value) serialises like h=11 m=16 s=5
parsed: h=9 m=26 s=50
